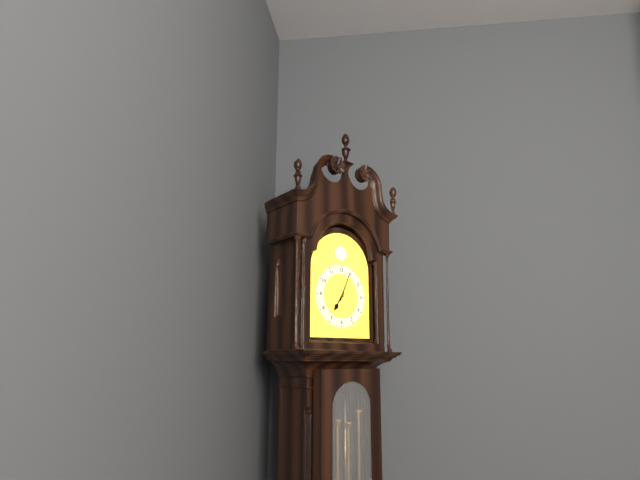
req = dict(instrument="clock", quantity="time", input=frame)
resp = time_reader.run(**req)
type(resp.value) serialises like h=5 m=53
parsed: h=7 m=4
